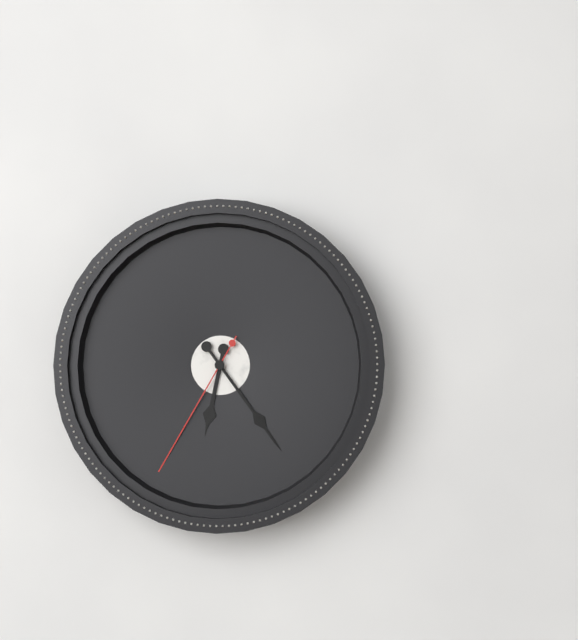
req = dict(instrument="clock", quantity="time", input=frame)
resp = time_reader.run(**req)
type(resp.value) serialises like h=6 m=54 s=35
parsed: h=6 m=24 s=35
